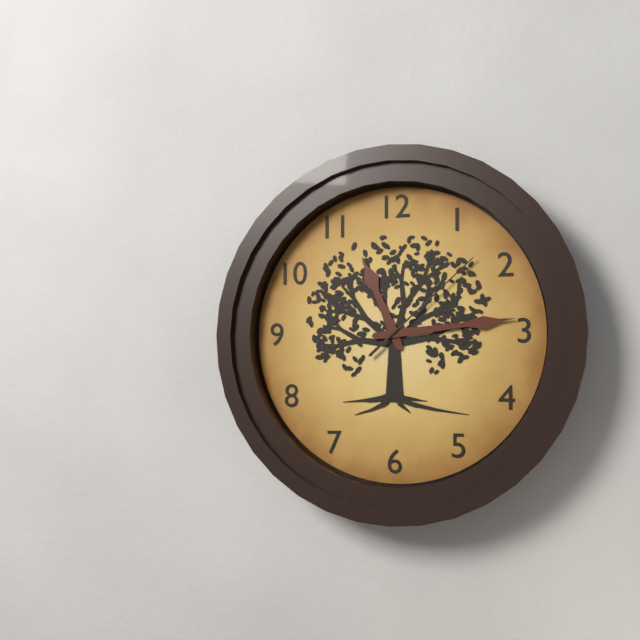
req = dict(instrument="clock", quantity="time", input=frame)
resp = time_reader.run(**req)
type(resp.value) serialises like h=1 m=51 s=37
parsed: h=11 m=14 s=8
